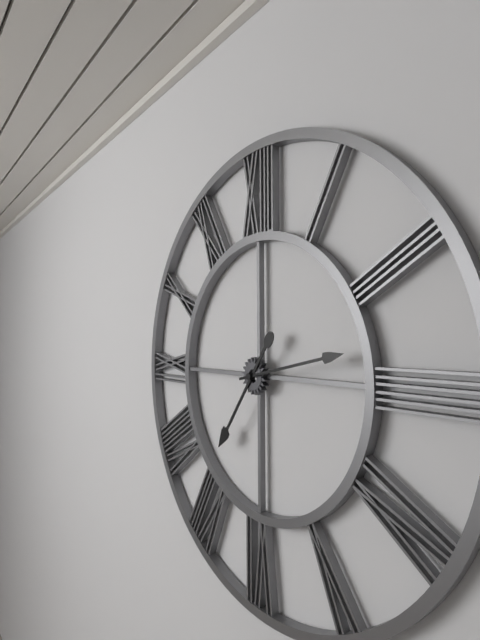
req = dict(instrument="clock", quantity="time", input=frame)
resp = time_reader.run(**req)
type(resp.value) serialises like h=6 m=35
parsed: h=7 m=13
